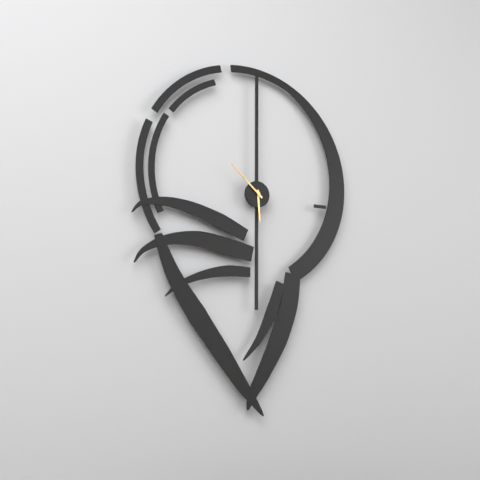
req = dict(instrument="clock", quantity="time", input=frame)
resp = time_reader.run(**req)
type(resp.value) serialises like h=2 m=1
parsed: h=5 m=52
